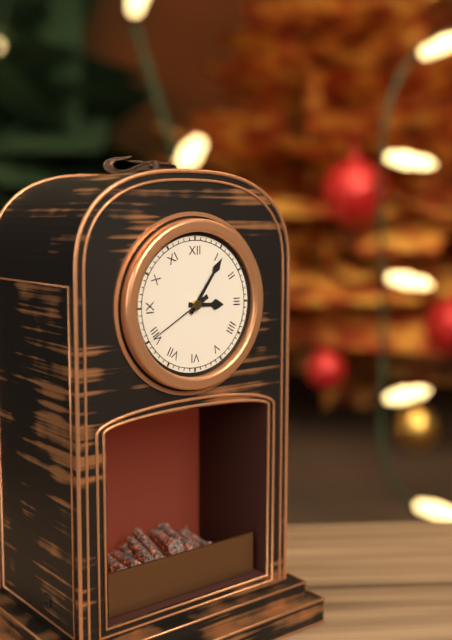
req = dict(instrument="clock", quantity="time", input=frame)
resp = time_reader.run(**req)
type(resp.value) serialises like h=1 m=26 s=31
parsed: h=3 m=6 s=40
